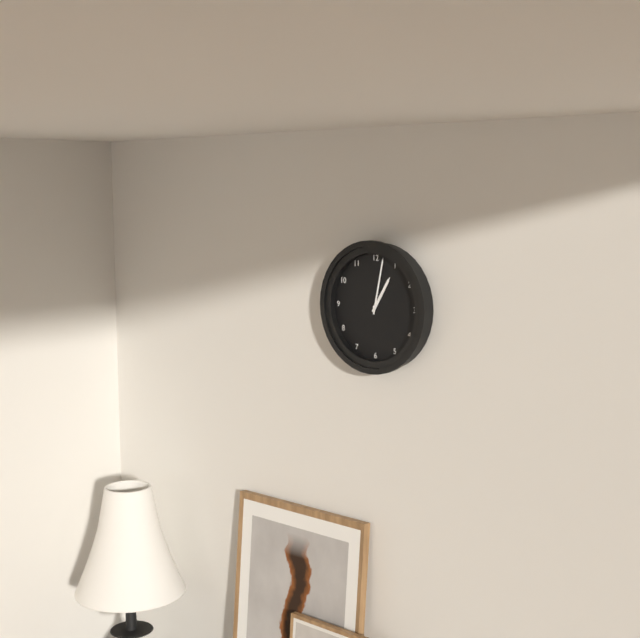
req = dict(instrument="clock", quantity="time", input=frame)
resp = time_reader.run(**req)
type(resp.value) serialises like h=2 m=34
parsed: h=1 m=2
